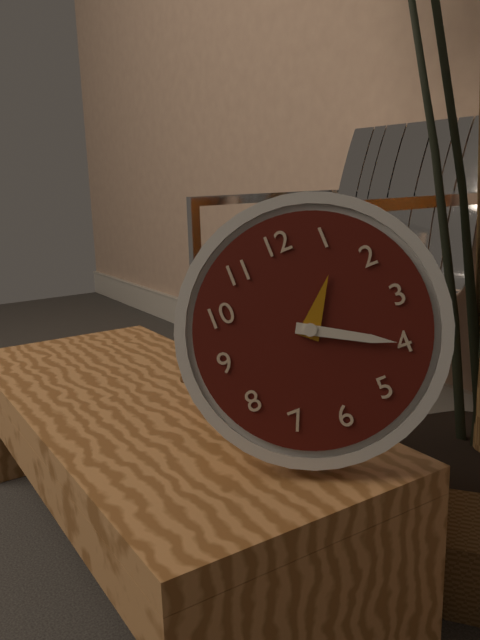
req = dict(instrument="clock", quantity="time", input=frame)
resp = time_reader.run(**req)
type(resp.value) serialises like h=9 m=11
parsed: h=1 m=20
